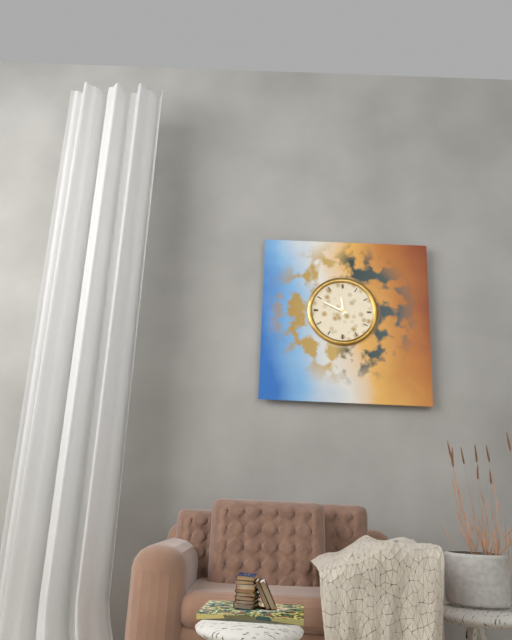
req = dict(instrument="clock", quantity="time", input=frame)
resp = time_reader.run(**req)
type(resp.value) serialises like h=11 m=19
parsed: h=11 m=49
